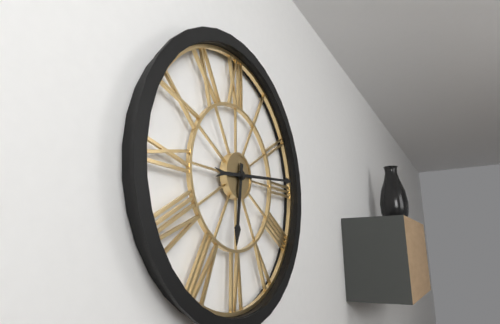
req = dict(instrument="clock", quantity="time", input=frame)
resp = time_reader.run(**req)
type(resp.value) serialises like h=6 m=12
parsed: h=6 m=14
